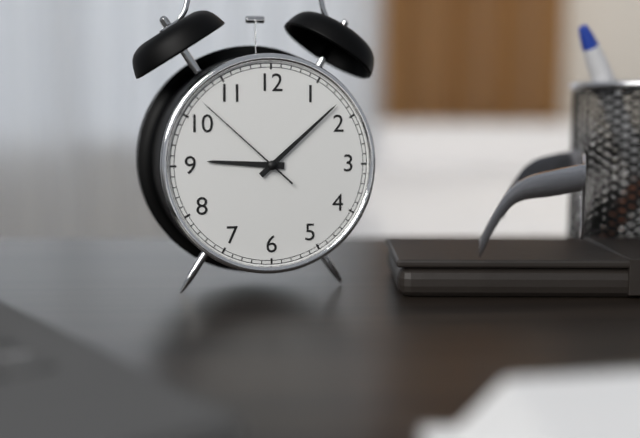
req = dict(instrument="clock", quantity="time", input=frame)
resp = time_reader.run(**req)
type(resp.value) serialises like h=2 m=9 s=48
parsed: h=9 m=8 s=52
